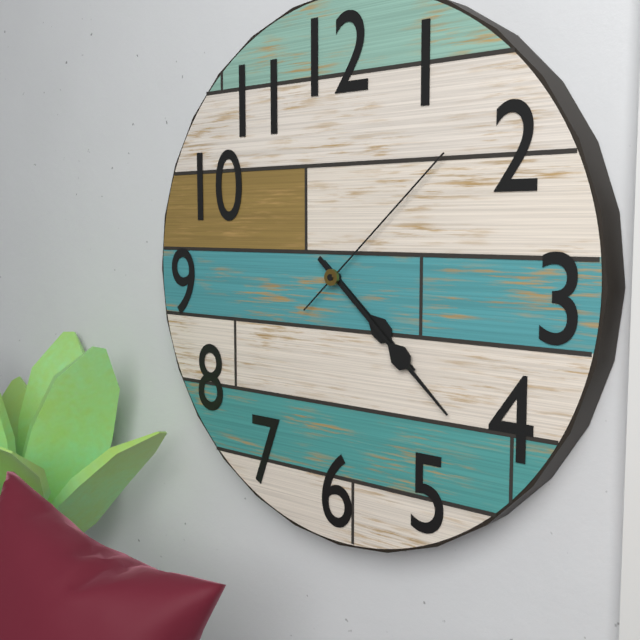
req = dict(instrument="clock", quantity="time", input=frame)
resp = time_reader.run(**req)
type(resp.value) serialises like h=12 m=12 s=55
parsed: h=4 m=22 s=8
